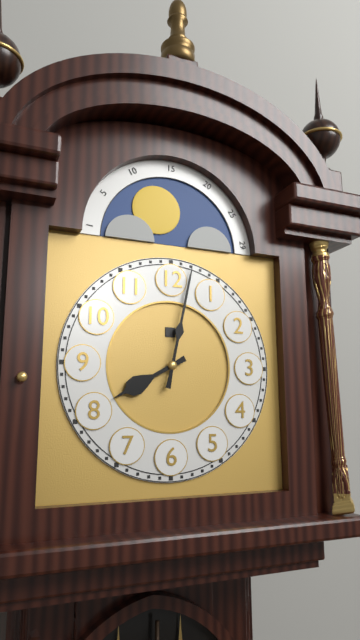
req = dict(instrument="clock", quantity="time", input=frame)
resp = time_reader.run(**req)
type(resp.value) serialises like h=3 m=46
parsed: h=8 m=2
